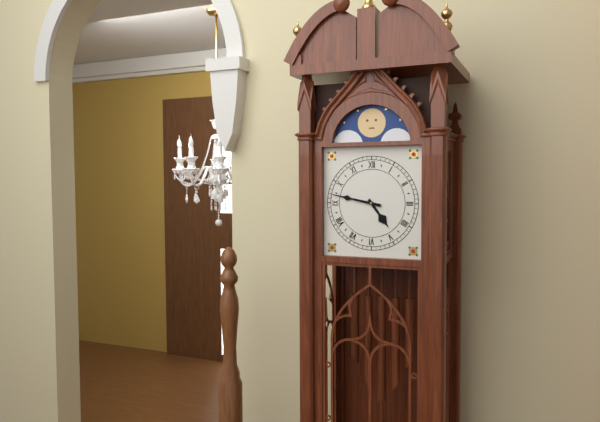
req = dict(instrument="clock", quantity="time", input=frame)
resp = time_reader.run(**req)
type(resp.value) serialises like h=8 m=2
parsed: h=4 m=47
